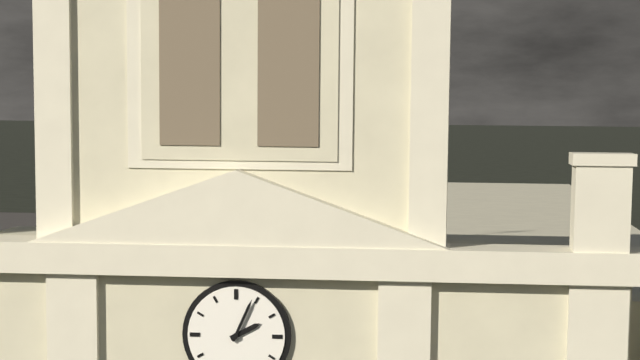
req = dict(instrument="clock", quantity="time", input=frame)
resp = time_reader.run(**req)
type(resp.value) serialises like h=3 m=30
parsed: h=2 m=4
